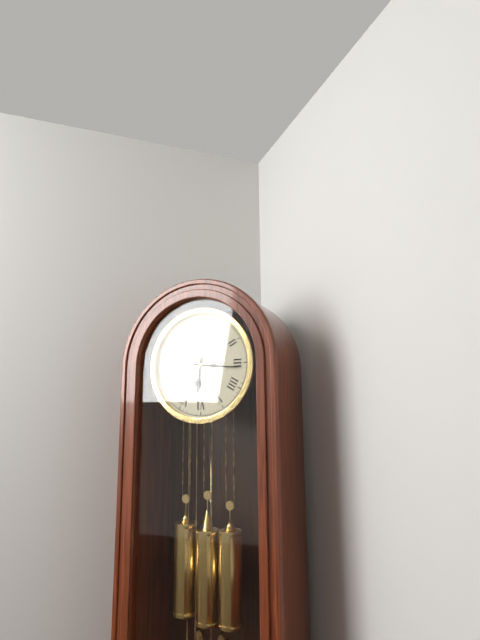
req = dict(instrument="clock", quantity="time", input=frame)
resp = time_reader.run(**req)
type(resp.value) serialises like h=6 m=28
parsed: h=6 m=16
